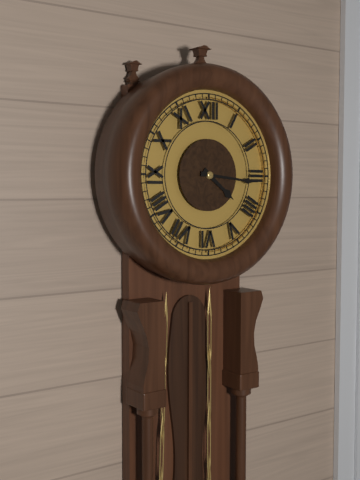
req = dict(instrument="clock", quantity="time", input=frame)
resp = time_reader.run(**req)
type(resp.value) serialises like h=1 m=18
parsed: h=4 m=16
